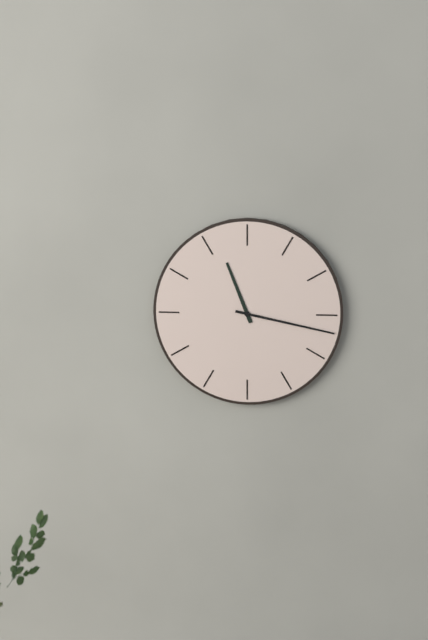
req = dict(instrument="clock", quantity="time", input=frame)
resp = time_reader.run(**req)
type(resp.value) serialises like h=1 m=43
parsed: h=11 m=17
